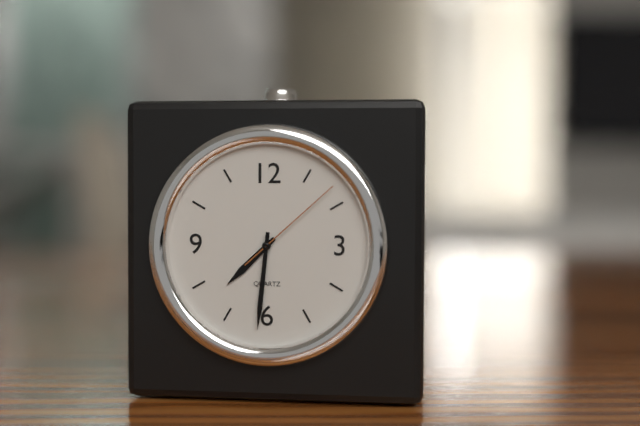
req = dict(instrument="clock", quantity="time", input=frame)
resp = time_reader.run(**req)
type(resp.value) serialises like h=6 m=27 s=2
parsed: h=7 m=31 s=8
